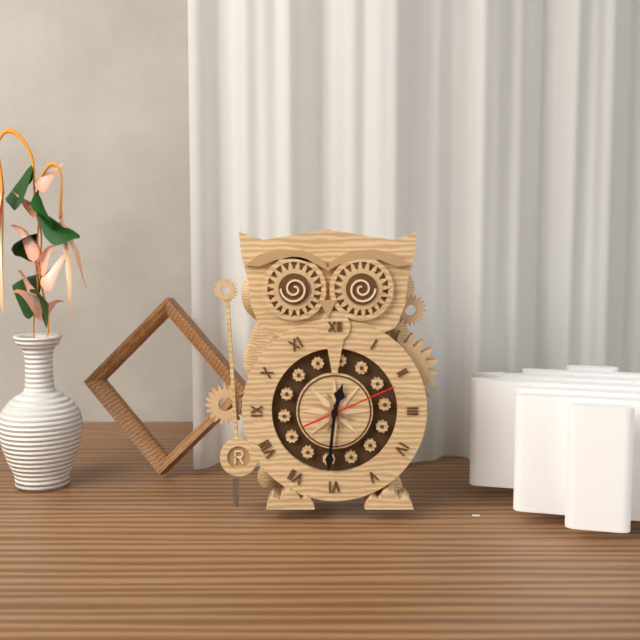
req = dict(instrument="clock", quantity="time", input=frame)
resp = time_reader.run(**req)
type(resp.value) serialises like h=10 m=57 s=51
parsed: h=12 m=31 s=11
